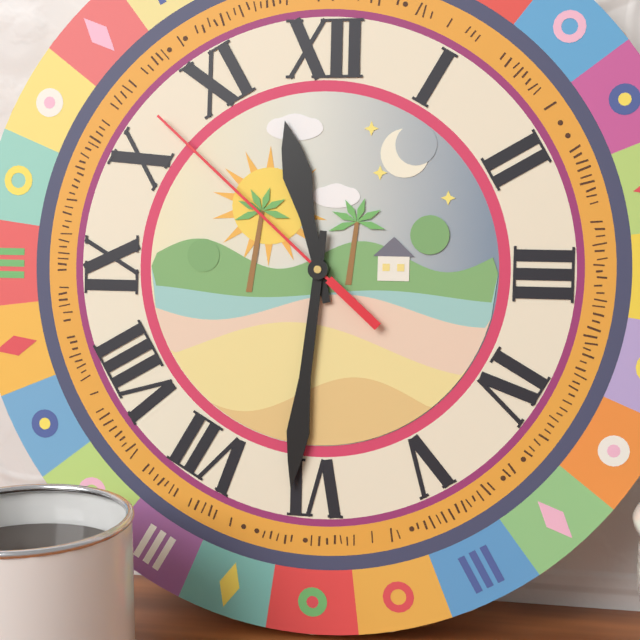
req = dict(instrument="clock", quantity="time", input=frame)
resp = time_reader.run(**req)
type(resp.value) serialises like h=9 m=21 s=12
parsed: h=11 m=31 s=52
